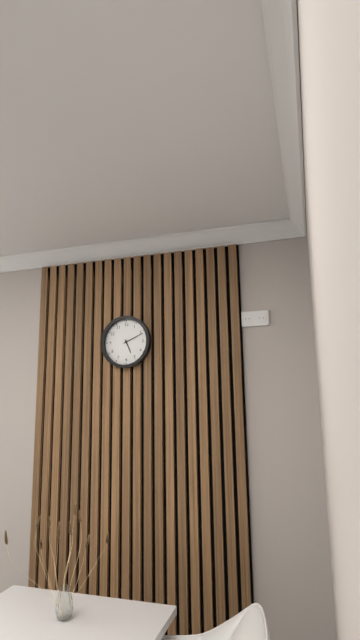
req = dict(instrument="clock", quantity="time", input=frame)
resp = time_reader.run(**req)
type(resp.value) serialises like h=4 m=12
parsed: h=5 m=11
